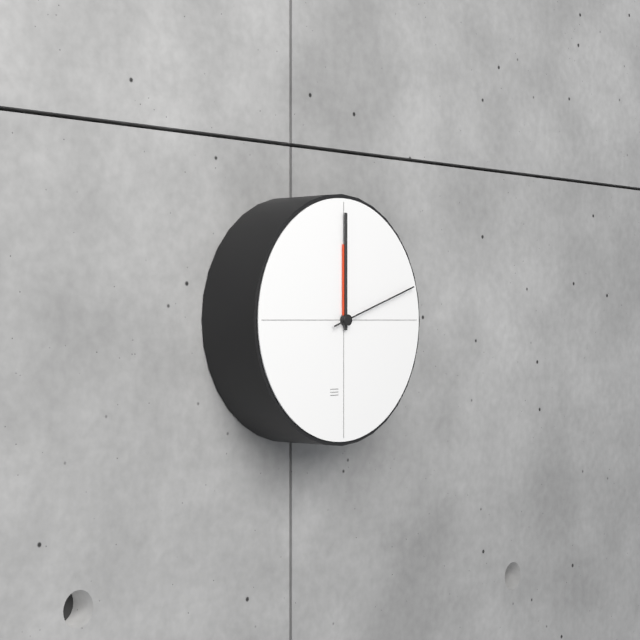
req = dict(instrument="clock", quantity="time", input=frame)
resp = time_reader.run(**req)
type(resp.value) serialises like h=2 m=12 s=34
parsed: h=12 m=0 s=12
